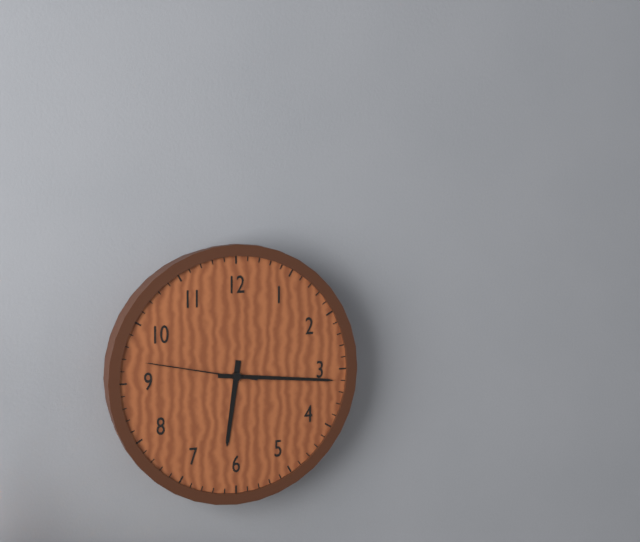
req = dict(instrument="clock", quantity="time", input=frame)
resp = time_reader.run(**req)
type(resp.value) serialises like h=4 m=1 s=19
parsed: h=6 m=16 s=47
